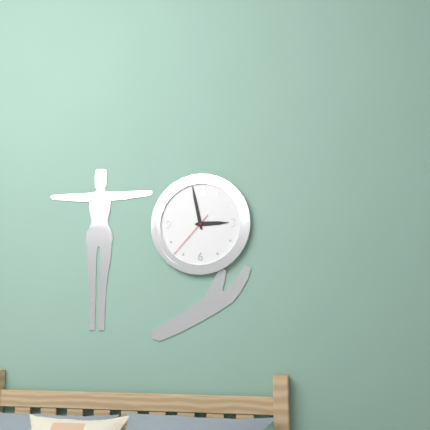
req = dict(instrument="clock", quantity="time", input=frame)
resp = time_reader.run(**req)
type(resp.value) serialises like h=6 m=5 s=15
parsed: h=2 m=58 s=37
